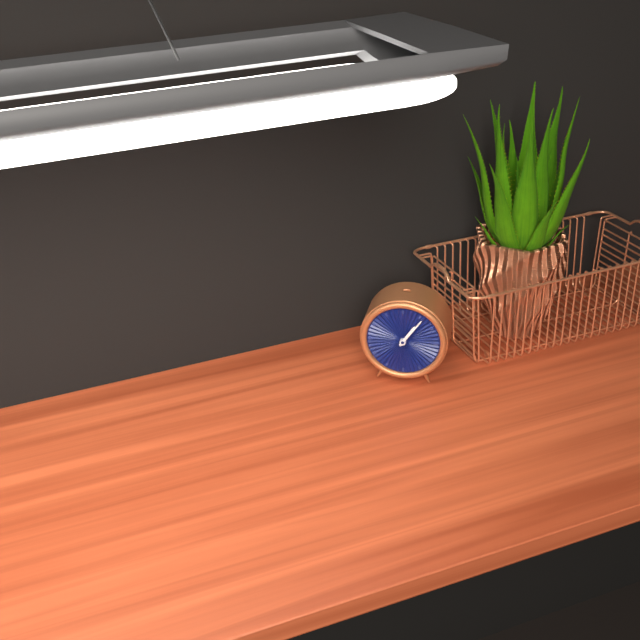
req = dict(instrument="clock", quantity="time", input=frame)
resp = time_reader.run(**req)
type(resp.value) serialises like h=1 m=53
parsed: h=1 m=6
